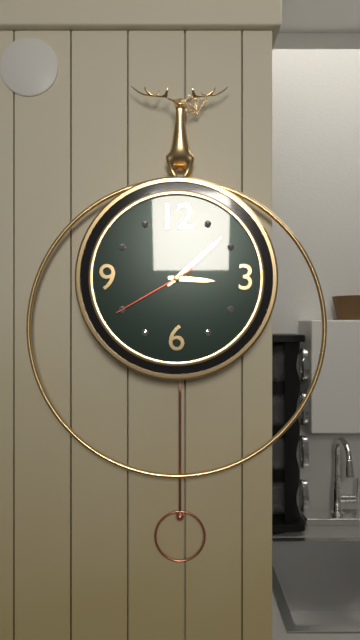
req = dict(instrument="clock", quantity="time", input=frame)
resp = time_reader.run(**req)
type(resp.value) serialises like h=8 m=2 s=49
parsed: h=3 m=8 s=40
